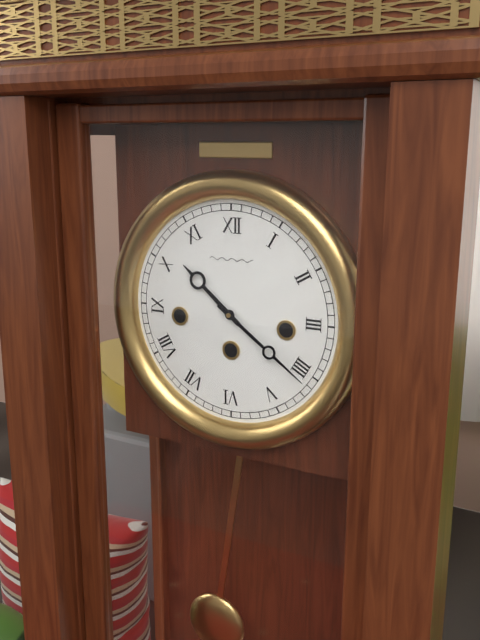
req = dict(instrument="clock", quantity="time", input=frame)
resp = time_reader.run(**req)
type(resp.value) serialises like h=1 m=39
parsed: h=10 m=21
